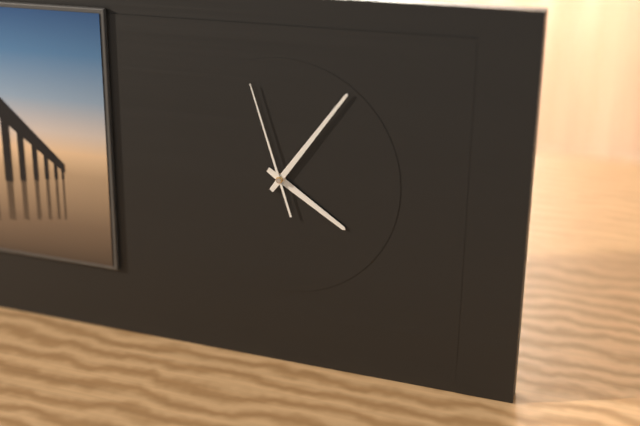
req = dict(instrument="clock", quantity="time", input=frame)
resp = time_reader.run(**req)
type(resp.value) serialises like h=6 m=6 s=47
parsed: h=4 m=6 s=57
